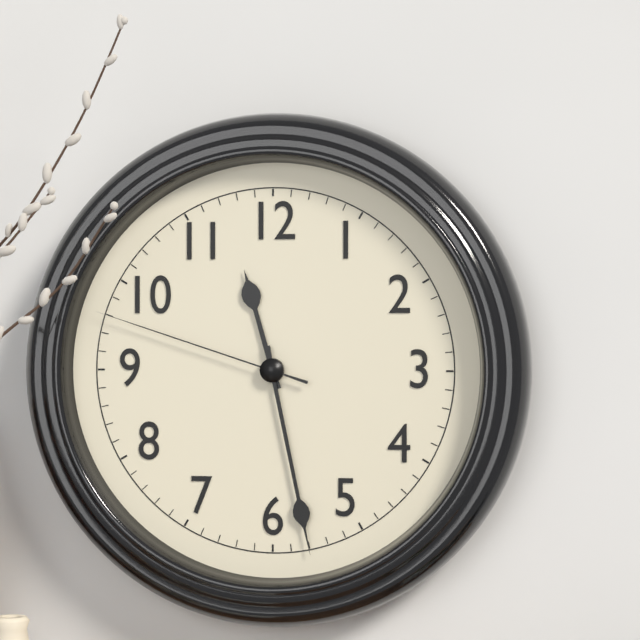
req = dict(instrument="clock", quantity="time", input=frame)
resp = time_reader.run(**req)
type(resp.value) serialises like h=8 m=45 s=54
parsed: h=11 m=28 s=48
